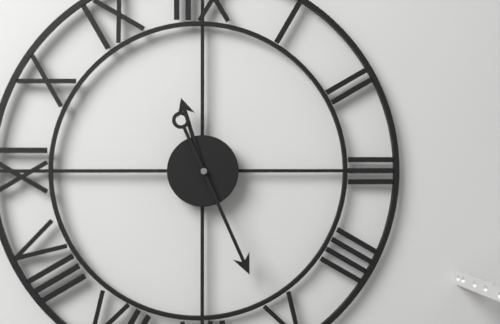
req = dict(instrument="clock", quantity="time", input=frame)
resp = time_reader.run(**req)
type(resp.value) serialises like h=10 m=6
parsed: h=11 m=26
